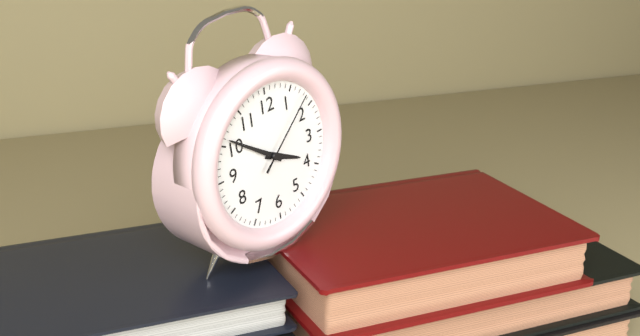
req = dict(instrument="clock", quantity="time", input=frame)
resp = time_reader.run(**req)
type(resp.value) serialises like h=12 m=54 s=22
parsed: h=3 m=51 s=8
